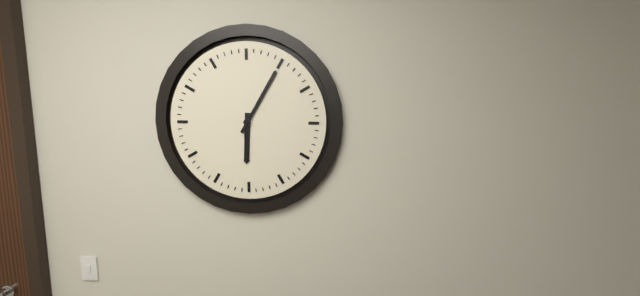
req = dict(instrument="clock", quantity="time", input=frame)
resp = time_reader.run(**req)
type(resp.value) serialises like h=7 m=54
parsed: h=6 m=5
